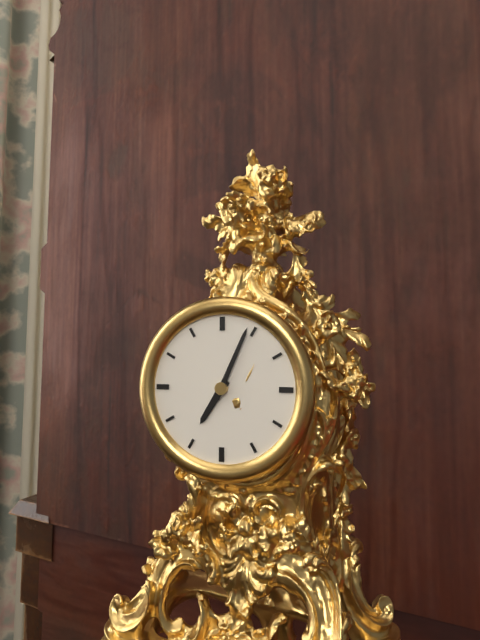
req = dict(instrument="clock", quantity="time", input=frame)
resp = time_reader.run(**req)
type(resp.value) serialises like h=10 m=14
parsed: h=7 m=4
